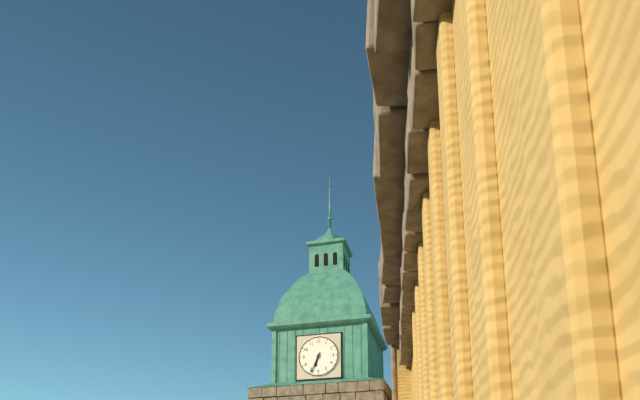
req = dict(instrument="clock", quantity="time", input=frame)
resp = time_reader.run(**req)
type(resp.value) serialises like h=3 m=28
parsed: h=6 m=34
